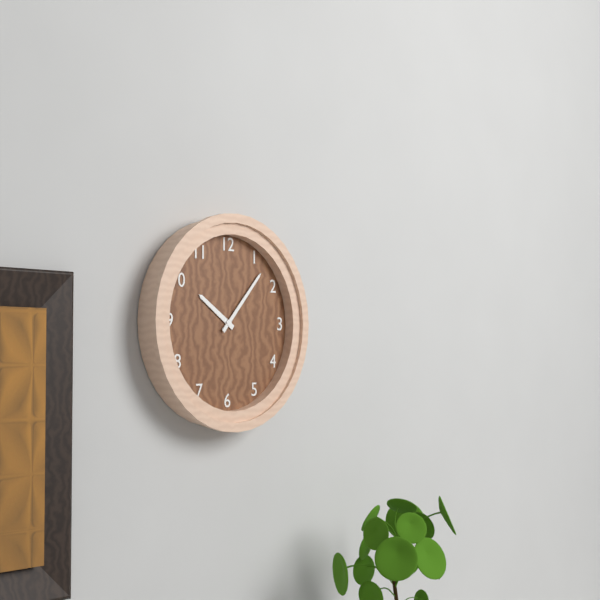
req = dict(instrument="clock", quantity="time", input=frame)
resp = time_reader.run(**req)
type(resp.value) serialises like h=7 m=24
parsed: h=10 m=7
